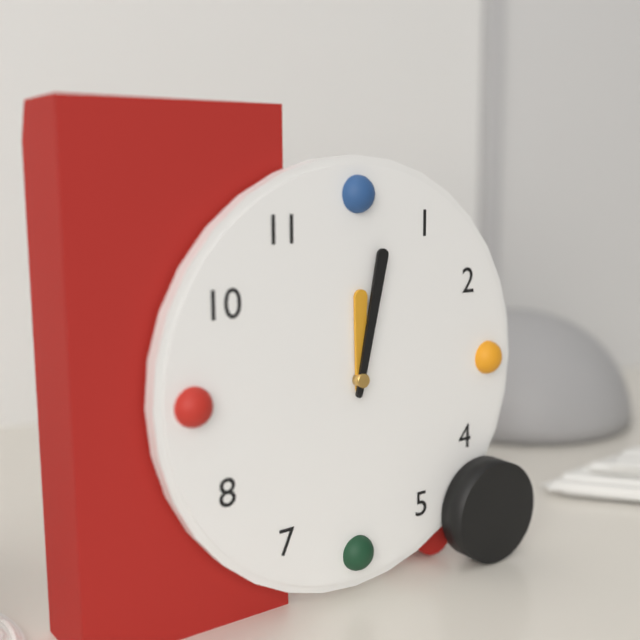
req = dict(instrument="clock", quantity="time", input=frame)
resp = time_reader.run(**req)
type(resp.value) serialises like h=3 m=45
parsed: h=12 m=2
